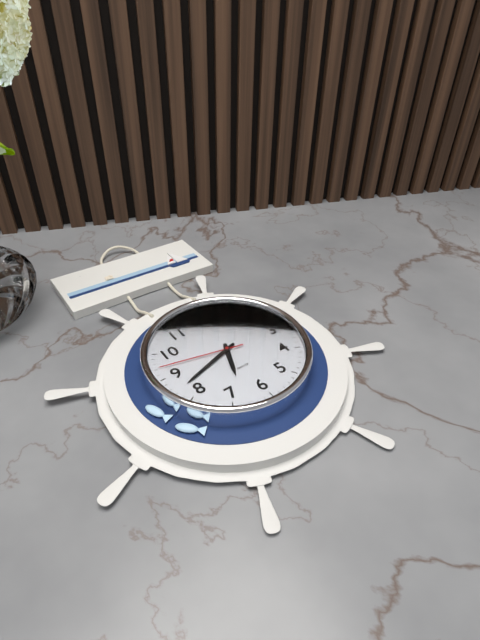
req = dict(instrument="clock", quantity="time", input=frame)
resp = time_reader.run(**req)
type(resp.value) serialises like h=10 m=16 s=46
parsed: h=6 m=42 s=47
